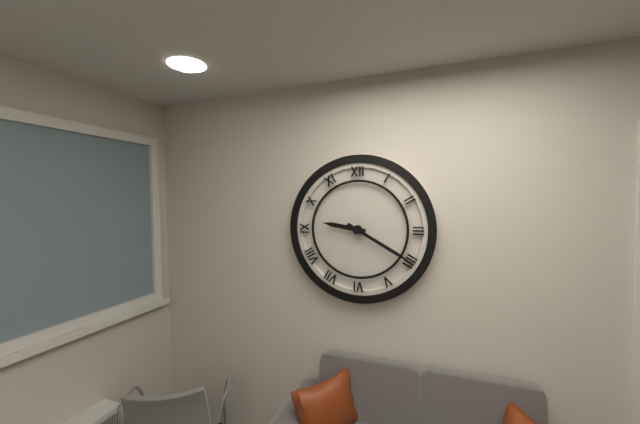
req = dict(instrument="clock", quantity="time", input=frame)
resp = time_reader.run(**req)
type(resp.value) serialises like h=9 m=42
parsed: h=9 m=20
